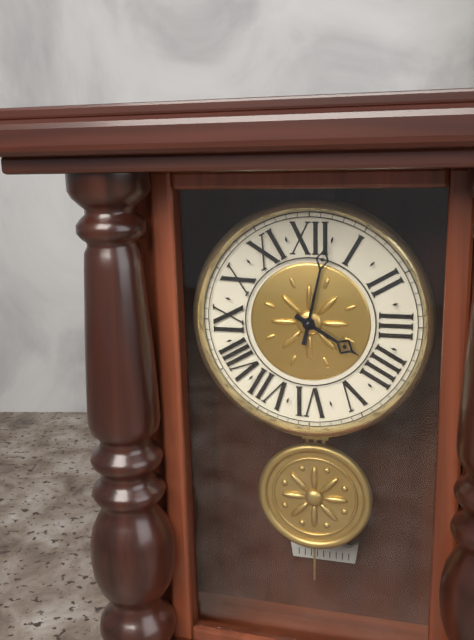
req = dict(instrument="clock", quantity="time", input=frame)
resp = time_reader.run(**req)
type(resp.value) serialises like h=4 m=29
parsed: h=4 m=2
